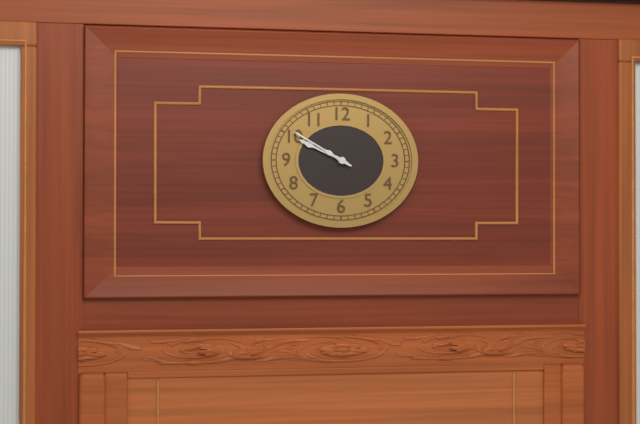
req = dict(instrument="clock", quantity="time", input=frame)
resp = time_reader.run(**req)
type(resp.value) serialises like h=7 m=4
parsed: h=9 m=50
